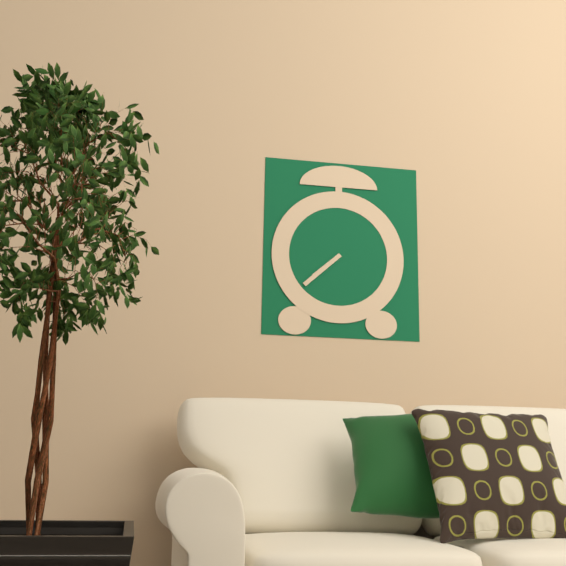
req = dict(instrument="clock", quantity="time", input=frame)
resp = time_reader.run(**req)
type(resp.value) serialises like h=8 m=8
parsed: h=7 m=38
